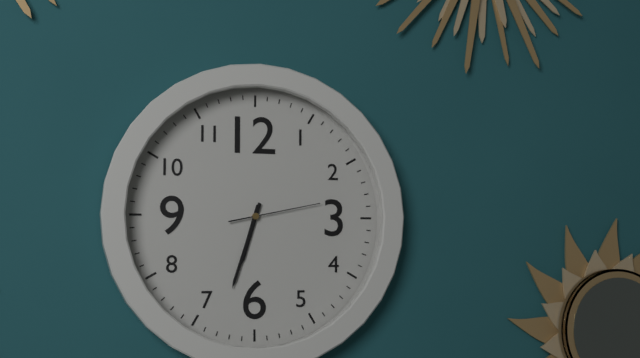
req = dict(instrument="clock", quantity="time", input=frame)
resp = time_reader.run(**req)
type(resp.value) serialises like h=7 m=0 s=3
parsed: h=6 m=33 s=13
